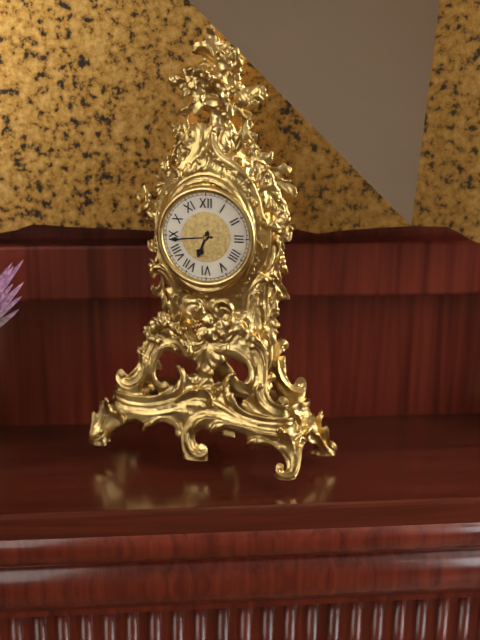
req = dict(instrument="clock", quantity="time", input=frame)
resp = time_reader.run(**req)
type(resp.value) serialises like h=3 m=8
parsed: h=6 m=44
